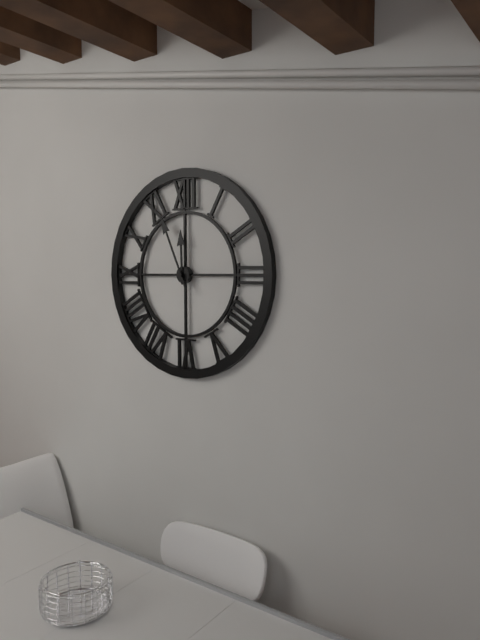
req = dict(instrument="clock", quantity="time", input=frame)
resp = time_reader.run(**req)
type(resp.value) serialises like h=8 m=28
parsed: h=11 m=56
